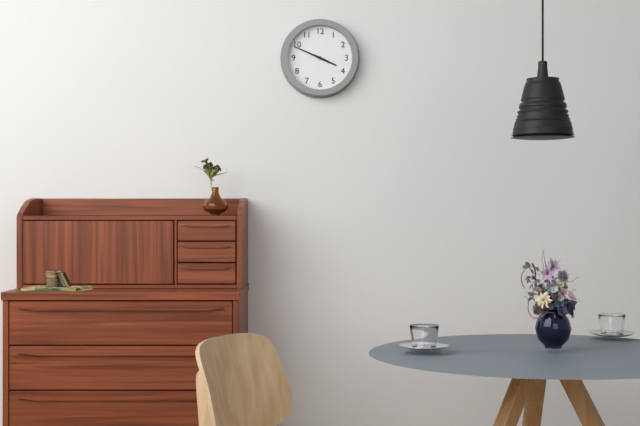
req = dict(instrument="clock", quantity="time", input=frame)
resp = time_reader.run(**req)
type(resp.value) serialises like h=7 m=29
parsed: h=3 m=49
